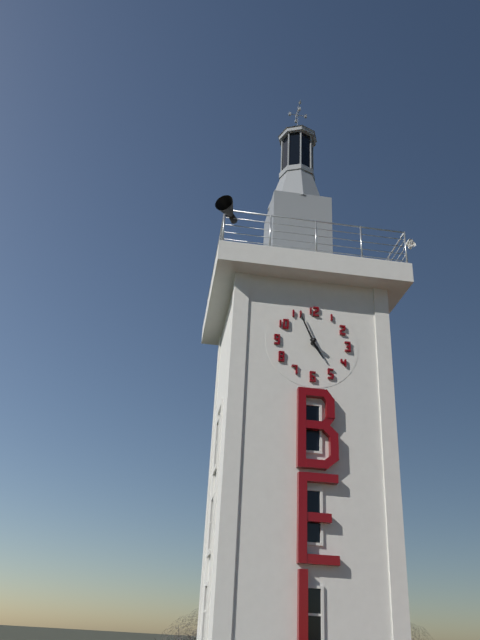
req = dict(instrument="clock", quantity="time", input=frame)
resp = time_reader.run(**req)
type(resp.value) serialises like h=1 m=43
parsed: h=4 m=56
